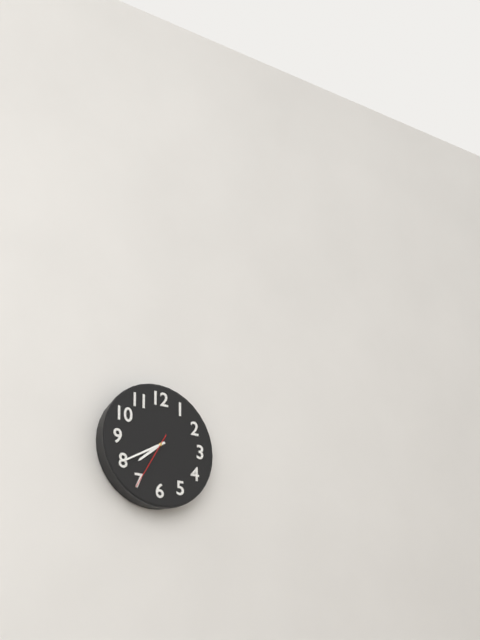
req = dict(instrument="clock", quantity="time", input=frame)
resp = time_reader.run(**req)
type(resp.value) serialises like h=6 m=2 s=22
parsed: h=7 m=40 s=35
